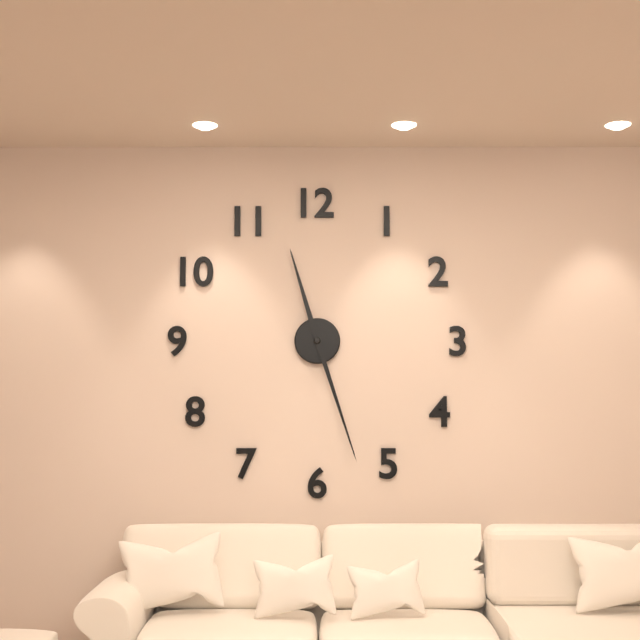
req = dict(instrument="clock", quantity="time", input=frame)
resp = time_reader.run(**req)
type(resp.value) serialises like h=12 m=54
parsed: h=11 m=27
